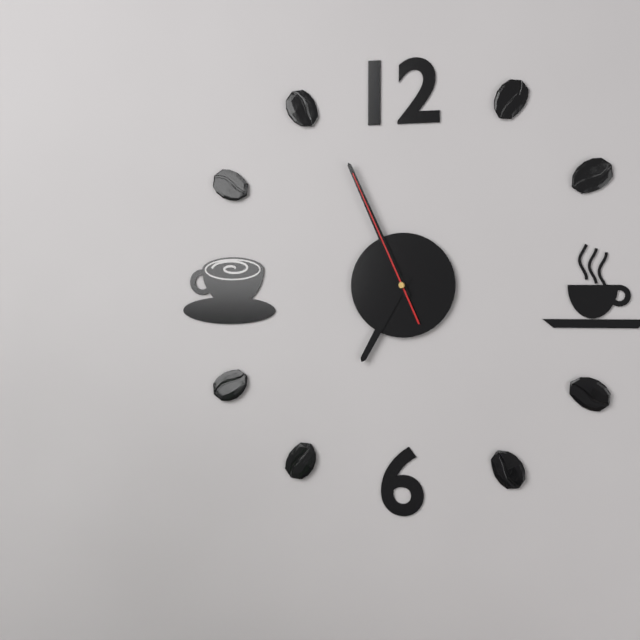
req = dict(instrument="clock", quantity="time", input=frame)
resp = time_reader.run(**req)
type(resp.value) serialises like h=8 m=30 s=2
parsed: h=6 m=56 s=56
